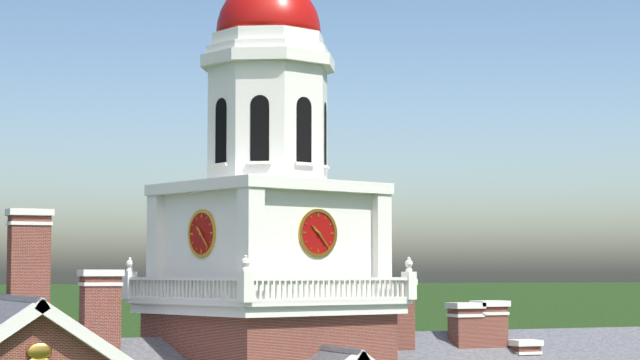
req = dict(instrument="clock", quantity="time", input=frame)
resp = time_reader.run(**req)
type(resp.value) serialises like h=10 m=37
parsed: h=10 m=23
